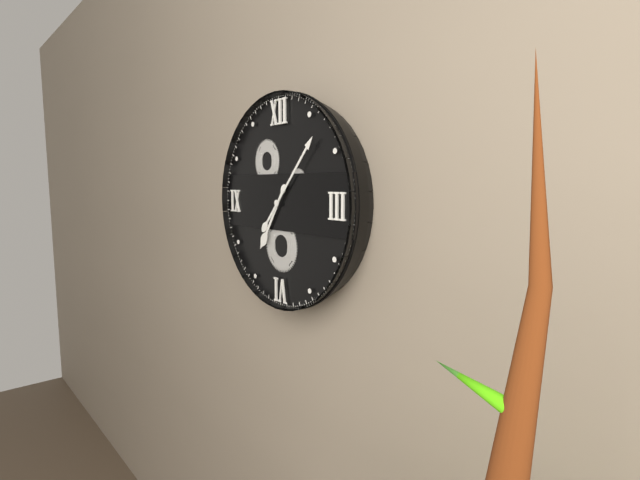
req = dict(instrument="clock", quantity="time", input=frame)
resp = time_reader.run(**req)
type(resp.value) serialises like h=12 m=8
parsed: h=7 m=7
